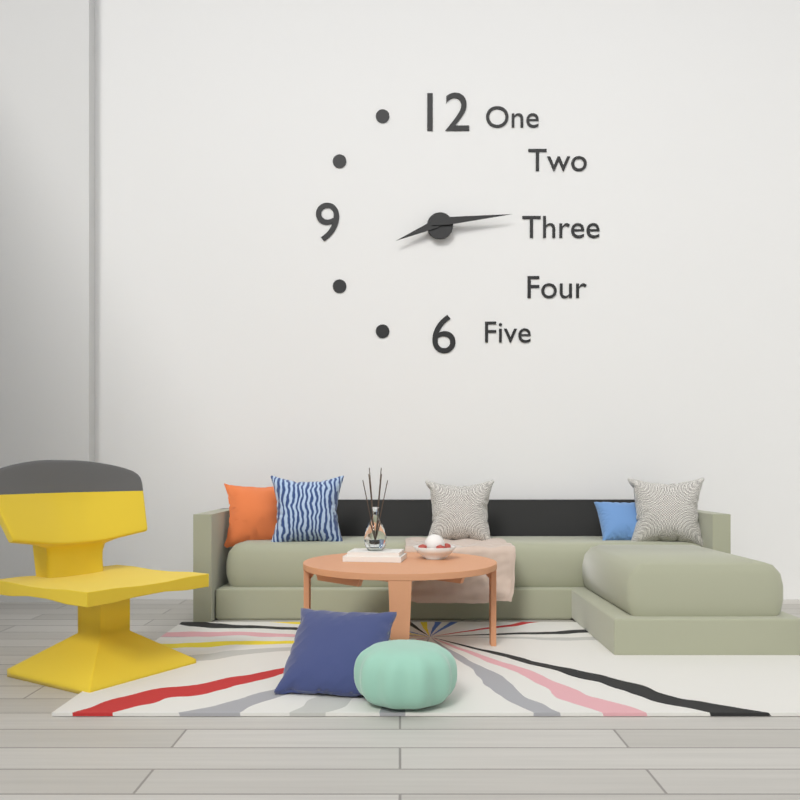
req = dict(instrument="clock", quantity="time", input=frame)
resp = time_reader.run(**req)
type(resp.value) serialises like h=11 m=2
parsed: h=8 m=14
